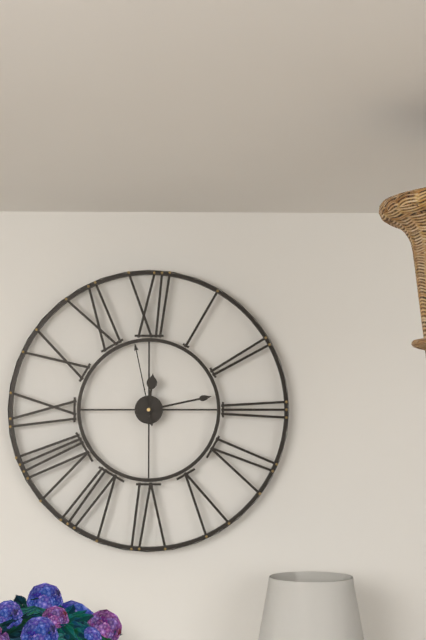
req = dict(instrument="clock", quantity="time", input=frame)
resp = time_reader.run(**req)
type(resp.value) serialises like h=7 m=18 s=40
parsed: h=12 m=13 s=58
